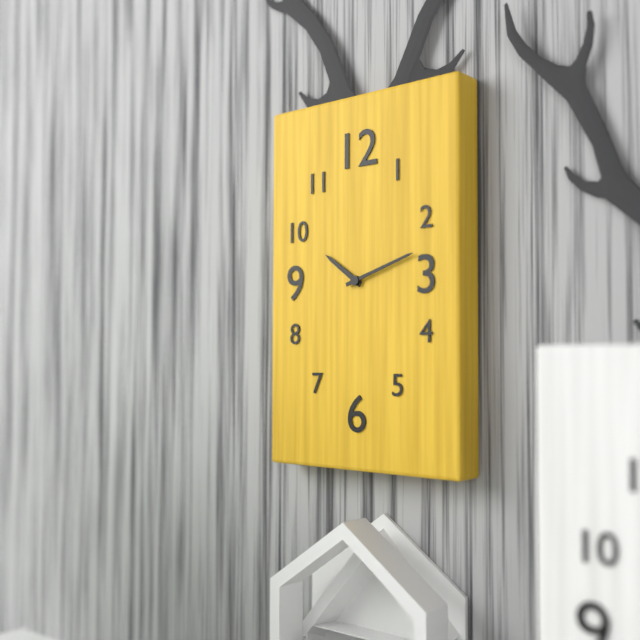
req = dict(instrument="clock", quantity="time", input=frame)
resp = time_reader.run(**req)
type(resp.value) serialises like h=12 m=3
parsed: h=10 m=12
